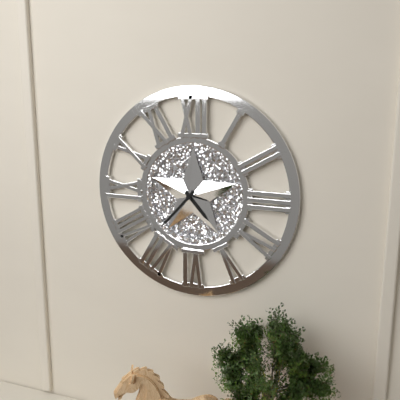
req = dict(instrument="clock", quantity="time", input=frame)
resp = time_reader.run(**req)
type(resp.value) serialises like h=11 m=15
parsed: h=4 m=37
